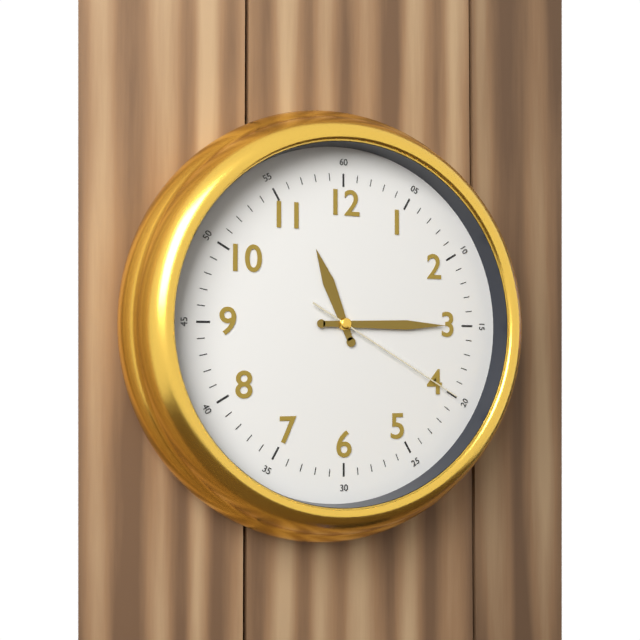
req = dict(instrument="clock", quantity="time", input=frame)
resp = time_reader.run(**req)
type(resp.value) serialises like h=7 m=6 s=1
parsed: h=11 m=15 s=20
